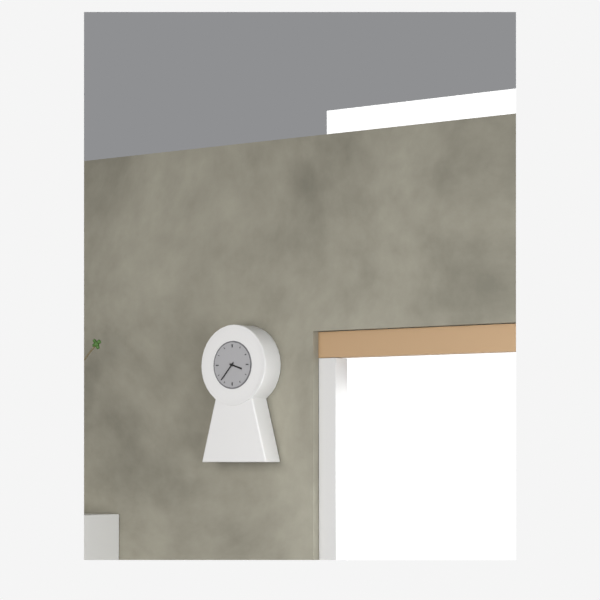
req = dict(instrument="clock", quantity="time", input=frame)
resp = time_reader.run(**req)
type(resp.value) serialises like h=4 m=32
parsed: h=3 m=37
